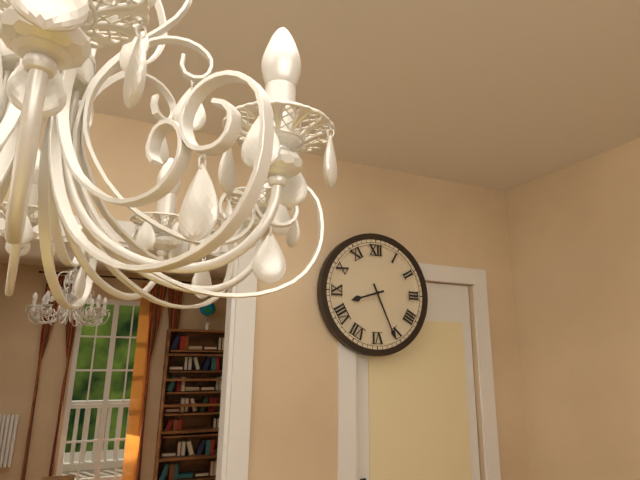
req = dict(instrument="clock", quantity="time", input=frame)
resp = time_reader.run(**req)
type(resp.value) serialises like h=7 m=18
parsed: h=8 m=26
